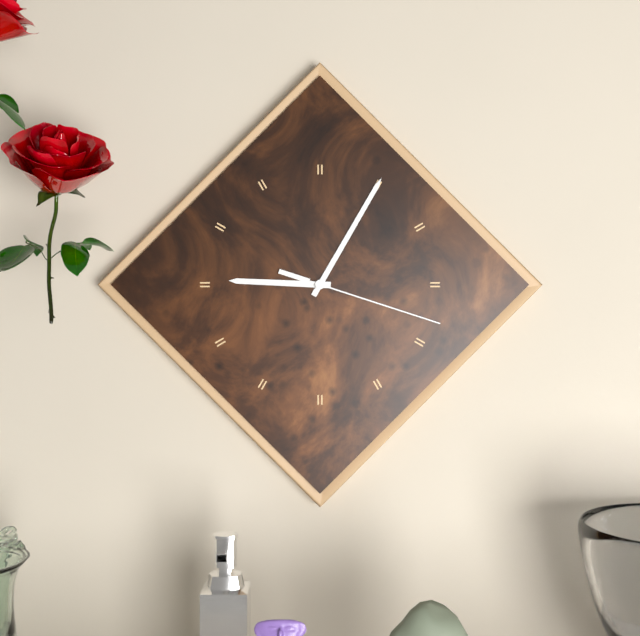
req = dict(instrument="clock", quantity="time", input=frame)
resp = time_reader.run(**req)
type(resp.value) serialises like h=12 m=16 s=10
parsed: h=9 m=5 s=18
